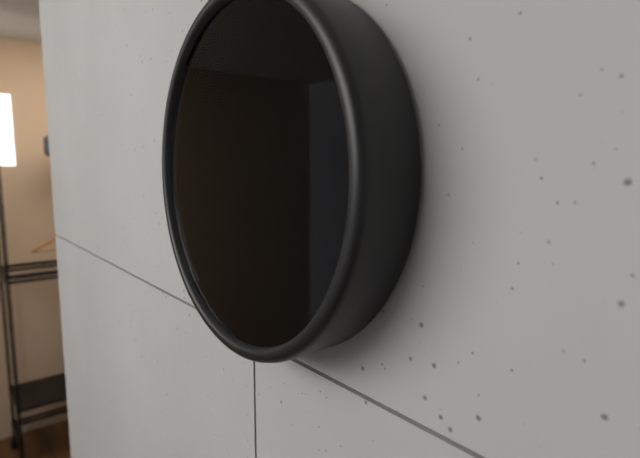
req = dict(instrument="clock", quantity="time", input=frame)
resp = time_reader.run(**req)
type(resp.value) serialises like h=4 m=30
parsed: h=9 m=46
